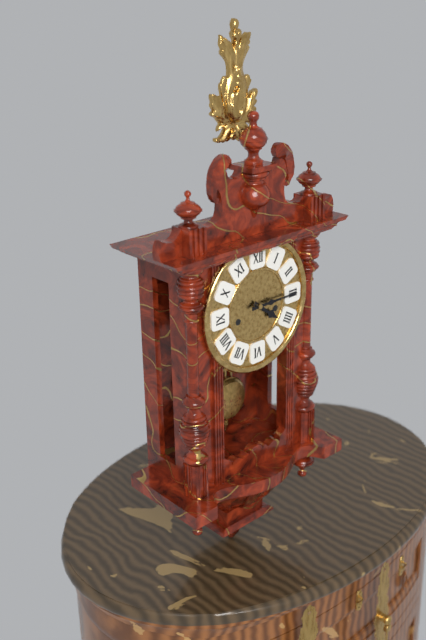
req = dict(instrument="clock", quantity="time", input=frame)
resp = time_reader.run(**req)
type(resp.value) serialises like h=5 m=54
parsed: h=4 m=15
